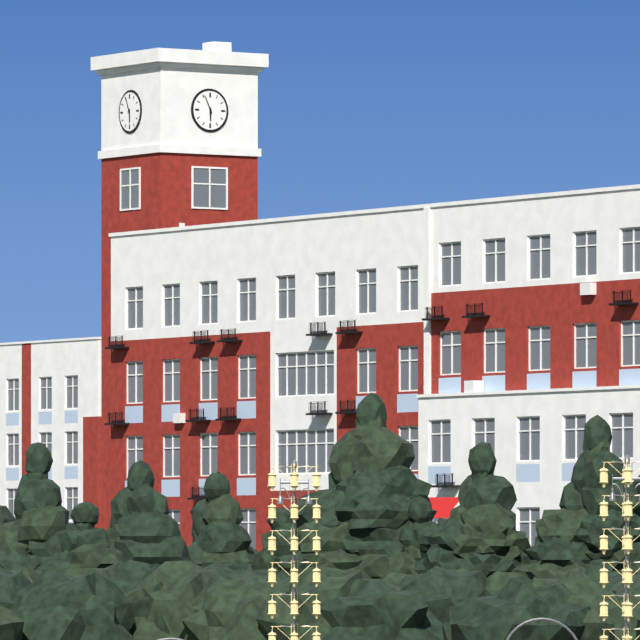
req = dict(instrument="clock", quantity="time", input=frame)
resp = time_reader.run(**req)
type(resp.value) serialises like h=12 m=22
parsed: h=5 m=56
